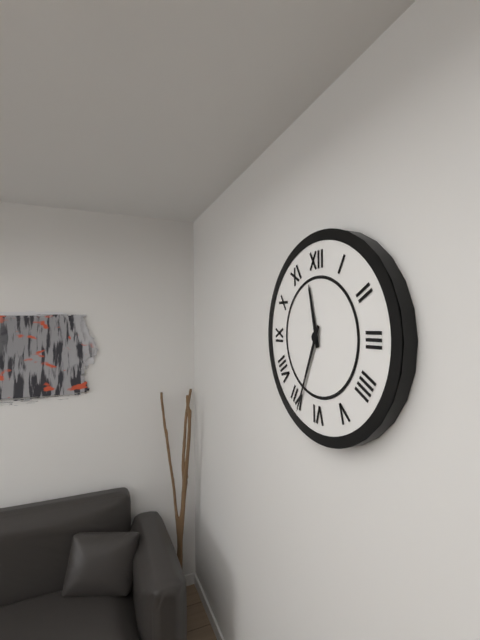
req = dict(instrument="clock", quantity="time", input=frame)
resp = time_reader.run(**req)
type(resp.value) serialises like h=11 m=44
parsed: h=11 m=34
